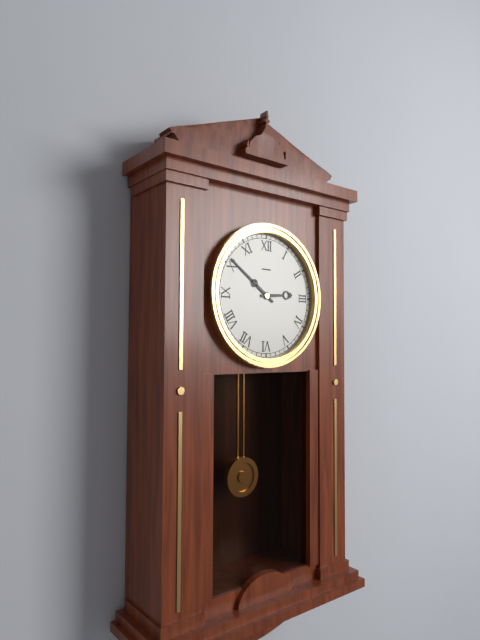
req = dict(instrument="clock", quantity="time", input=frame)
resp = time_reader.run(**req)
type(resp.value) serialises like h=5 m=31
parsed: h=2 m=51
